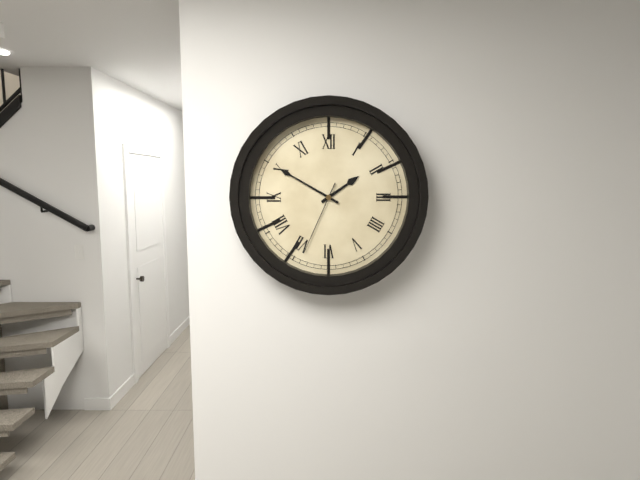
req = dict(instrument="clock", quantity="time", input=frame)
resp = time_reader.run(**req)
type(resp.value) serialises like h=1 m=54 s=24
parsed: h=1 m=50 s=34
